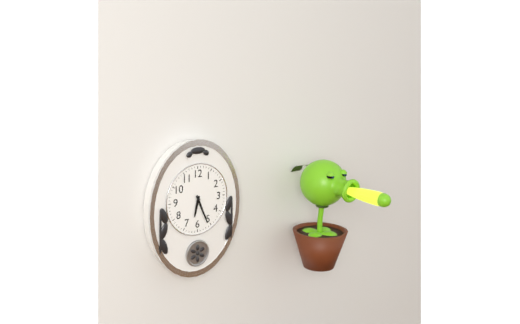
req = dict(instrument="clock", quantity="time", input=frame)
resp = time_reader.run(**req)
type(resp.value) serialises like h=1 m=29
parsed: h=6 m=26
